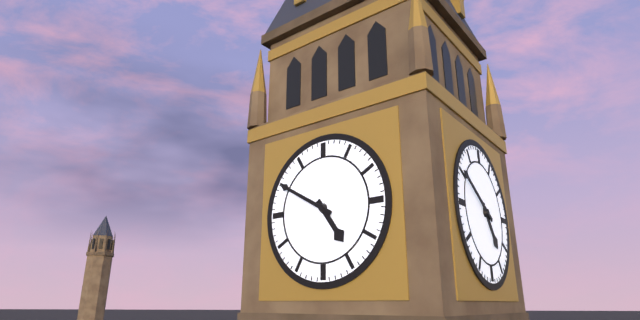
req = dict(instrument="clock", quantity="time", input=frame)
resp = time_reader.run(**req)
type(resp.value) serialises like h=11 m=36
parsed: h=4 m=50
